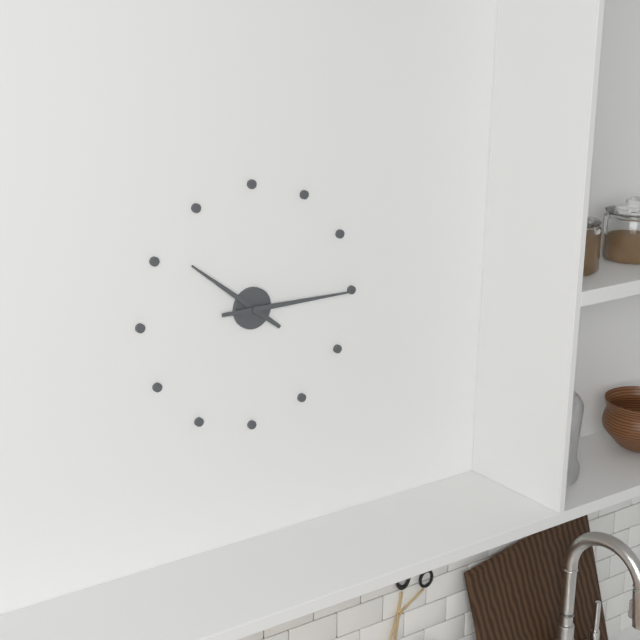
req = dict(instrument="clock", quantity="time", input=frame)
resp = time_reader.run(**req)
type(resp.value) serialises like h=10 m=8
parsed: h=10 m=15
